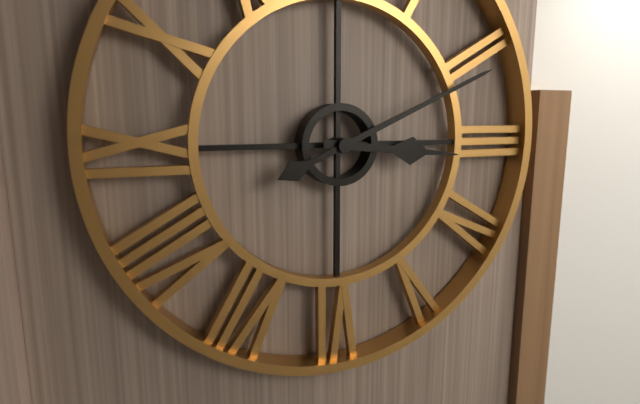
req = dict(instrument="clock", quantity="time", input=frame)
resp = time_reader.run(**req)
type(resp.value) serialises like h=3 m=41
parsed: h=3 m=11
